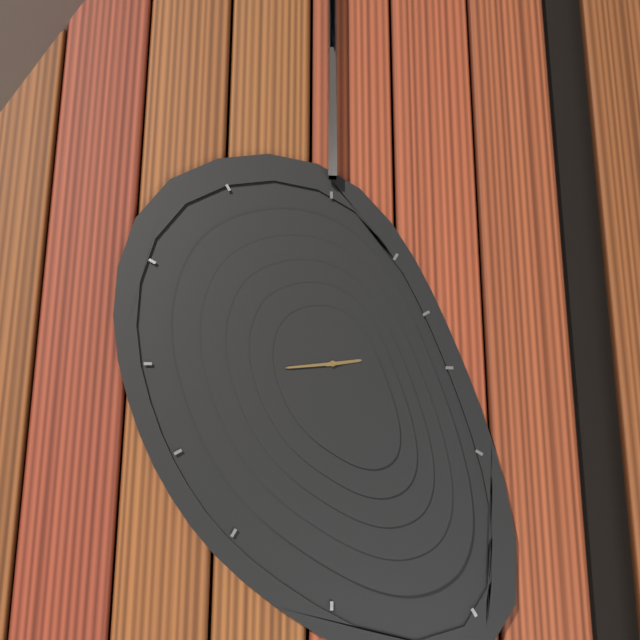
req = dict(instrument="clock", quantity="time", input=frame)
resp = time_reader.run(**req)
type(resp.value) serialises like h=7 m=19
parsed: h=2 m=44
